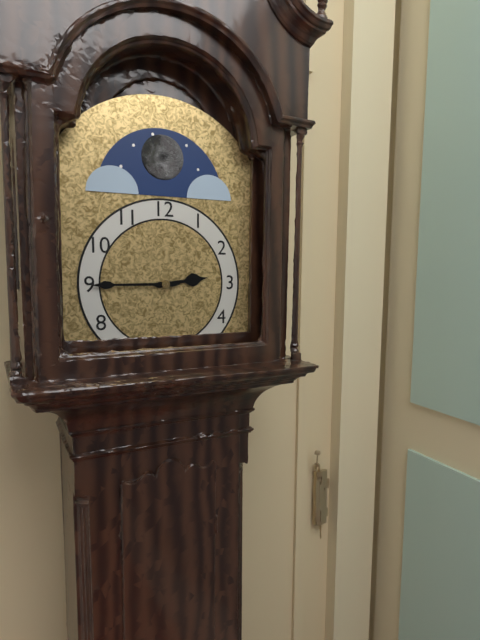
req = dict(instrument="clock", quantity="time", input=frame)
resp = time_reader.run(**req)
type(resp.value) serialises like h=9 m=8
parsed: h=2 m=45
